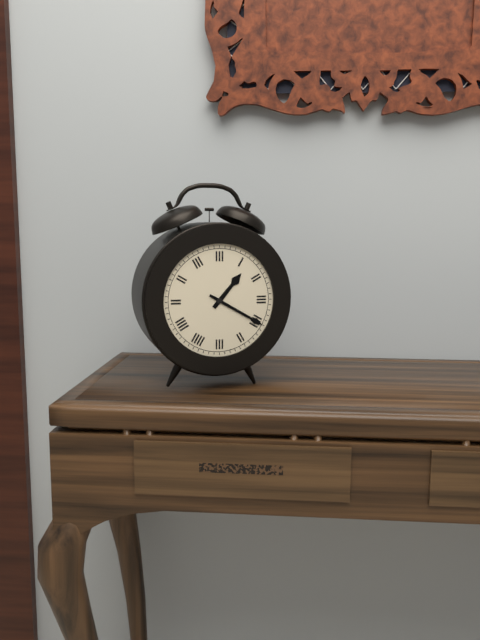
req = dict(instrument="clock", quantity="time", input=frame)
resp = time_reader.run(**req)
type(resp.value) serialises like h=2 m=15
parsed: h=1 m=20
